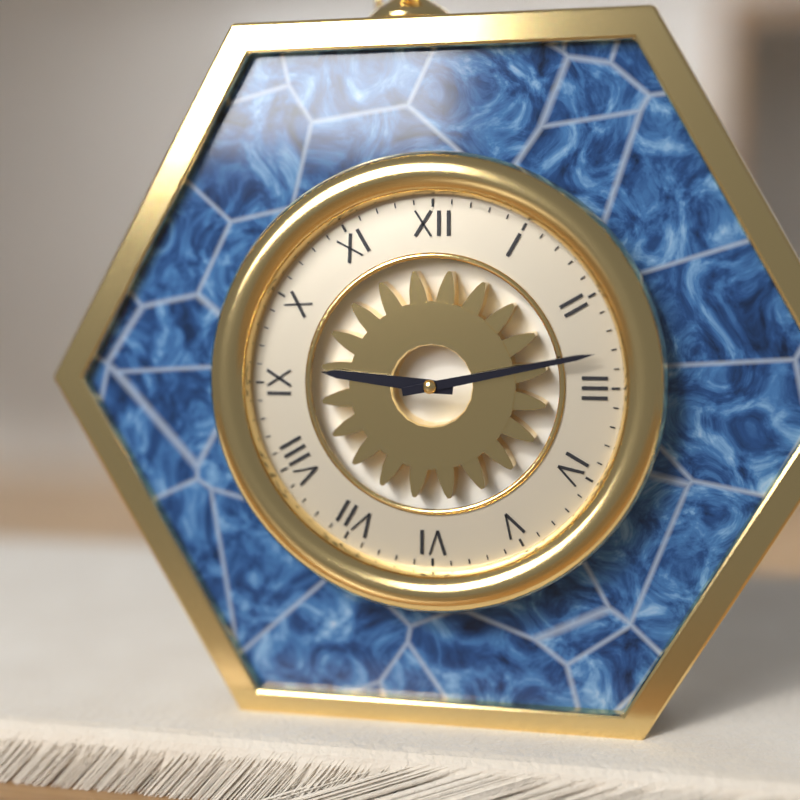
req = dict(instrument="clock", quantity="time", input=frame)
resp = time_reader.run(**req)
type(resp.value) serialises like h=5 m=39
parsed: h=9 m=13
